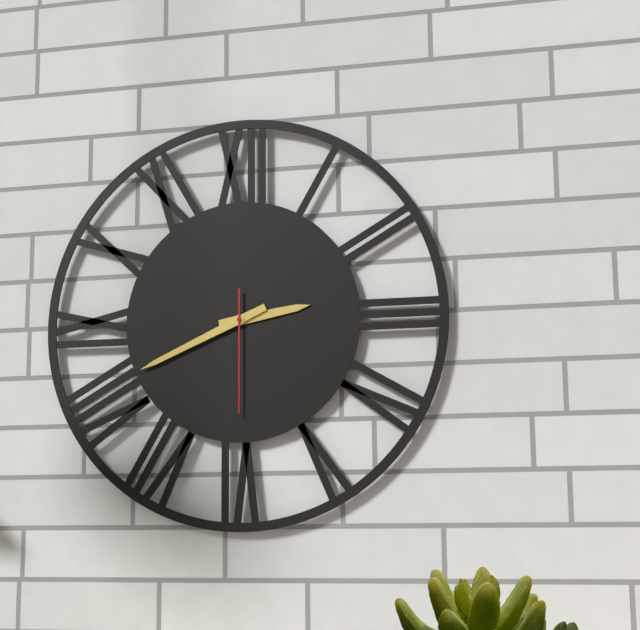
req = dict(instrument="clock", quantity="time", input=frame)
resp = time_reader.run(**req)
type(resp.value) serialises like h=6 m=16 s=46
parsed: h=2 m=41 s=30
